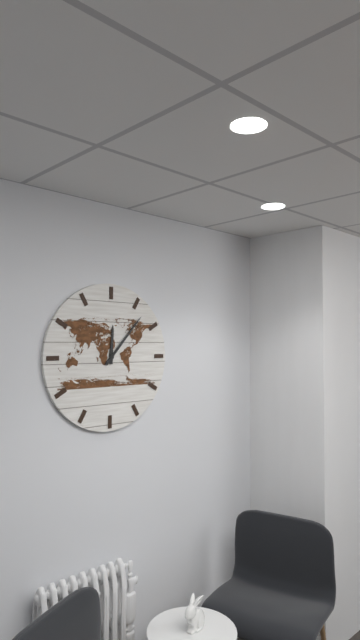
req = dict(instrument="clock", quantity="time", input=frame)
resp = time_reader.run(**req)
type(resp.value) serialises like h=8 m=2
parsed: h=12 m=7
